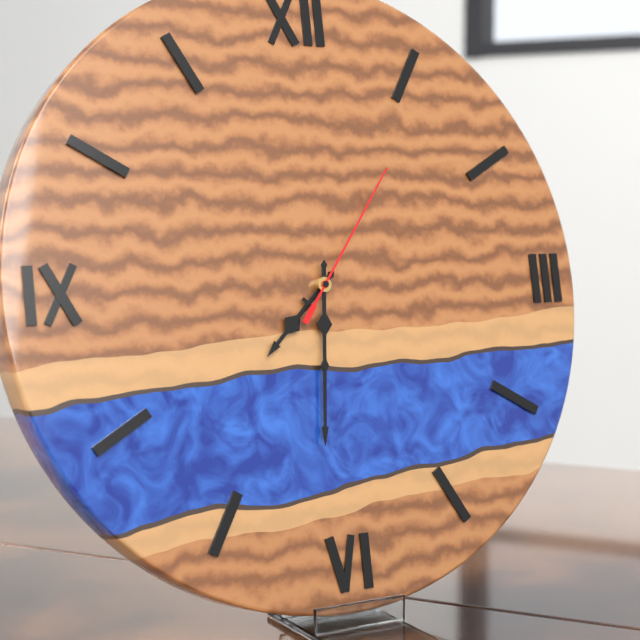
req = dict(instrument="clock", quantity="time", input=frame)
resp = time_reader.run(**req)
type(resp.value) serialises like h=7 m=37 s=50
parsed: h=7 m=31 s=6
